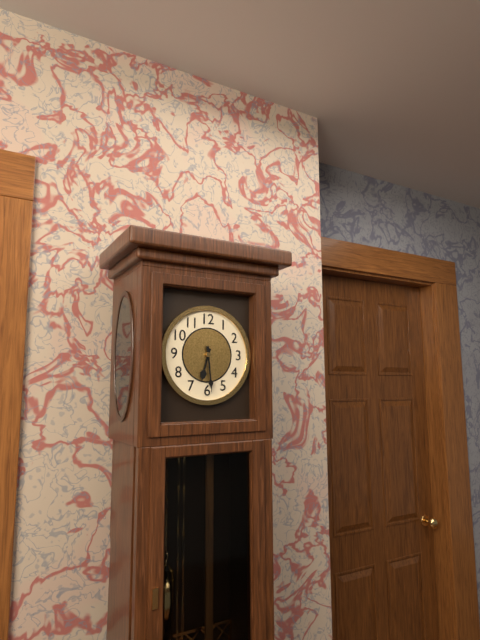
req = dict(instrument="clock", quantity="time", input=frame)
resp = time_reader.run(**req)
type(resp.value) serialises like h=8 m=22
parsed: h=6 m=29
